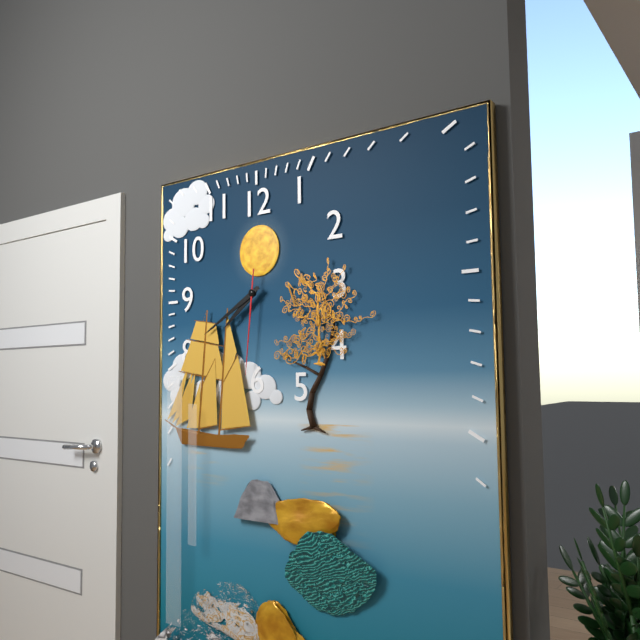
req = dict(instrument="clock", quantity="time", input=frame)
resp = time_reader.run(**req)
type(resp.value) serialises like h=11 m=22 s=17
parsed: h=7 m=40 s=31
